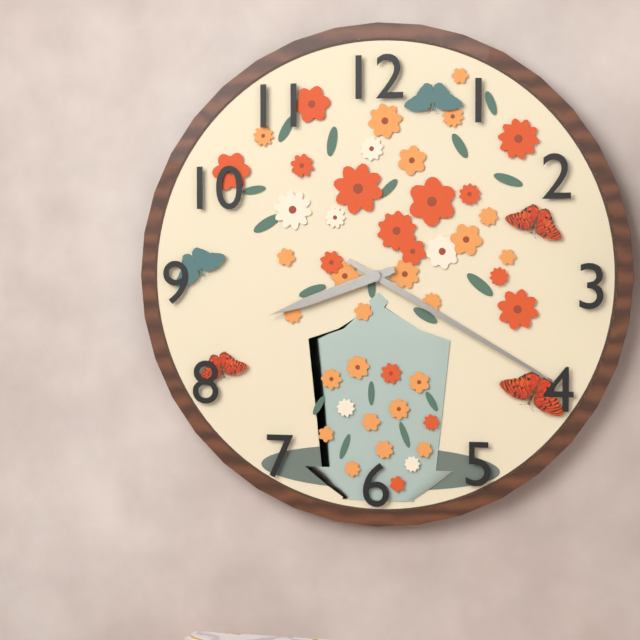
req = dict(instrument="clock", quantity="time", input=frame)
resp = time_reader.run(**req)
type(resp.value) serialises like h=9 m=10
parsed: h=8 m=20
